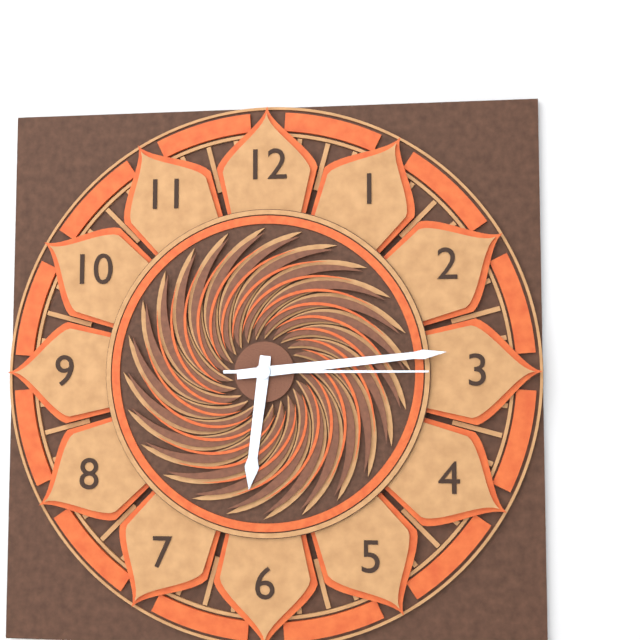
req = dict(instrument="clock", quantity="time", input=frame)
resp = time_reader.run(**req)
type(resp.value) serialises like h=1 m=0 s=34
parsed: h=6 m=14 s=15
